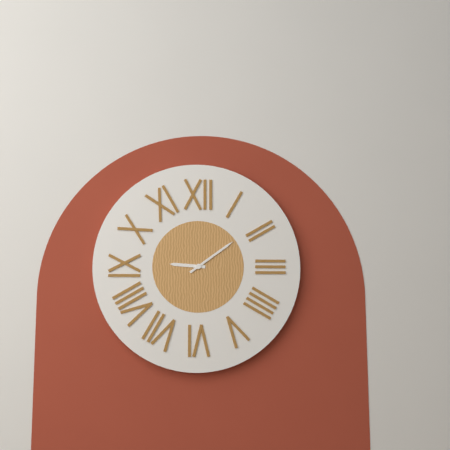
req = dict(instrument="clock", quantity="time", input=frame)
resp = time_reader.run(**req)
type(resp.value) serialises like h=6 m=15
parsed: h=9 m=9
